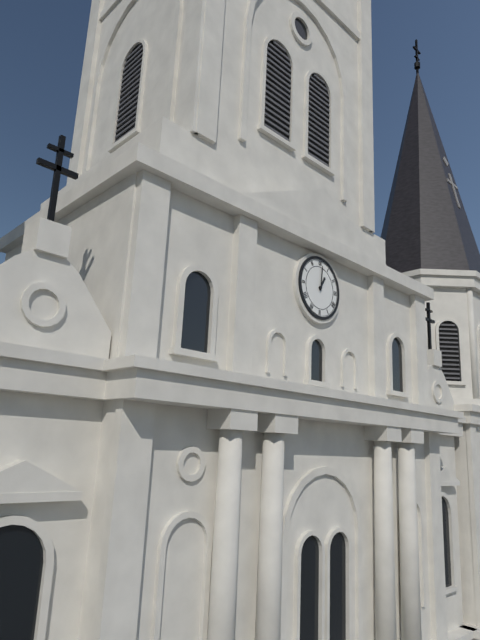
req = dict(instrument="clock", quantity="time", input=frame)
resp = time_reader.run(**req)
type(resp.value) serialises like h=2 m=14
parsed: h=1 m=1
